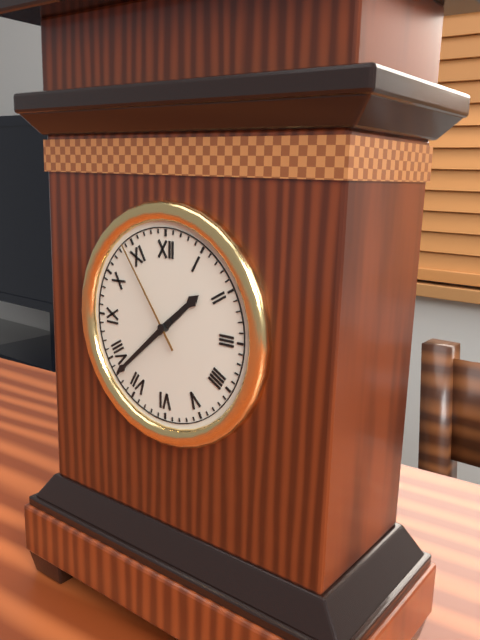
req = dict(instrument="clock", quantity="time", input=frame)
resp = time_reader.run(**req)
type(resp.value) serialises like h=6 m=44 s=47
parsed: h=1 m=38 s=54
